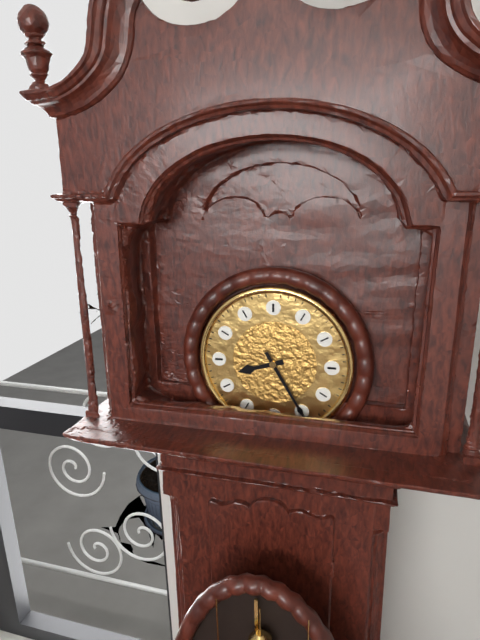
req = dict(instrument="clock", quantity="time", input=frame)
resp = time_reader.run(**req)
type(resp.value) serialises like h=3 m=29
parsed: h=8 m=25
